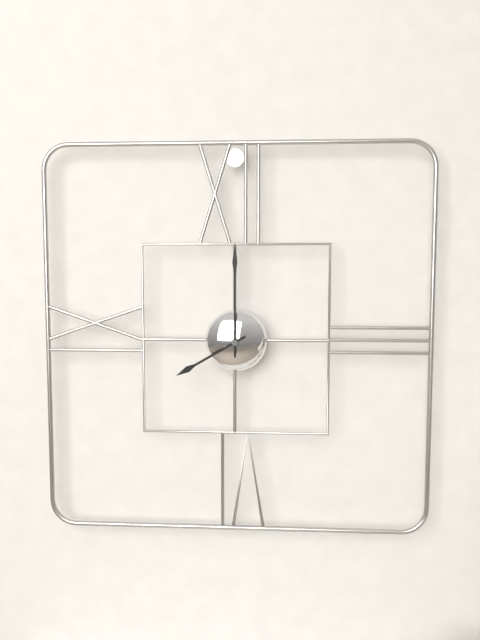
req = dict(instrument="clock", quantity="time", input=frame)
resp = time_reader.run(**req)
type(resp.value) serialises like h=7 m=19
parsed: h=8 m=0
